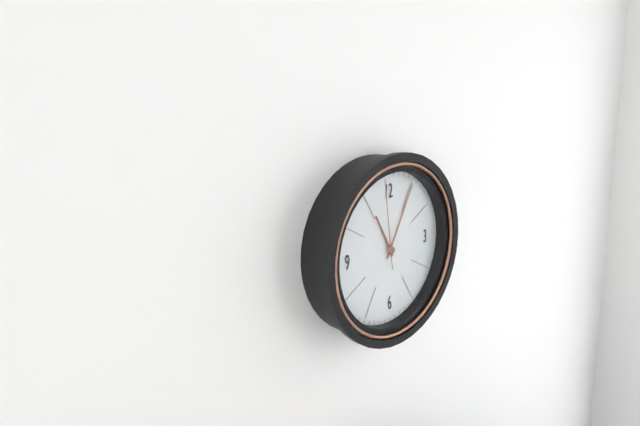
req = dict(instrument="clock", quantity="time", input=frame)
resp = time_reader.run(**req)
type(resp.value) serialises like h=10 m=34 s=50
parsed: h=11 m=5 s=59
